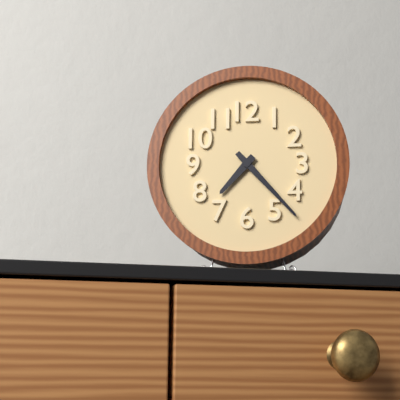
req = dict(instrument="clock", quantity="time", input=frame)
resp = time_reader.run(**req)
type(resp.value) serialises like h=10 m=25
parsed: h=7 m=23
